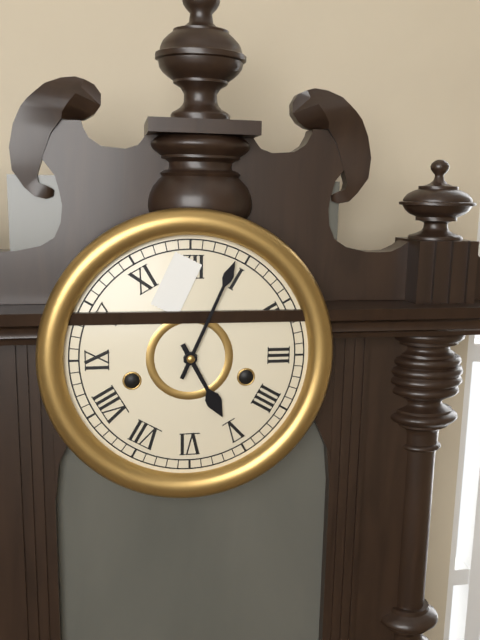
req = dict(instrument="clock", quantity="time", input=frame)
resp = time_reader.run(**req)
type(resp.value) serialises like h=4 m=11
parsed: h=5 m=4
